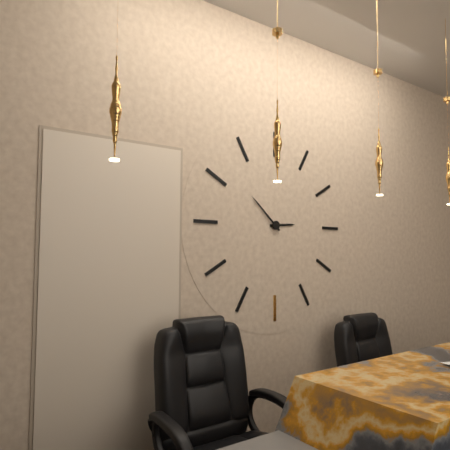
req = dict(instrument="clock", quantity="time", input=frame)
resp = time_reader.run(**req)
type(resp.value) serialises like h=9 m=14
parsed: h=2 m=52
